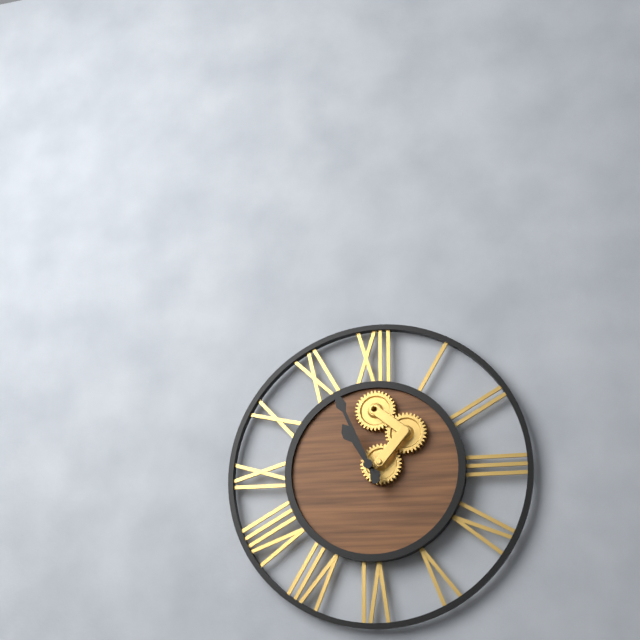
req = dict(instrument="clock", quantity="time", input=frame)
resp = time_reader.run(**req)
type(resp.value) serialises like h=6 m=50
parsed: h=10 m=56
